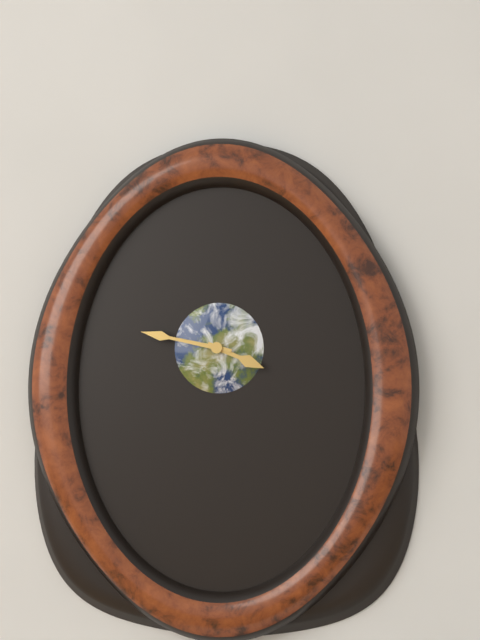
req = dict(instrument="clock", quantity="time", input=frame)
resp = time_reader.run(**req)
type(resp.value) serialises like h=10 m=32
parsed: h=3 m=47
